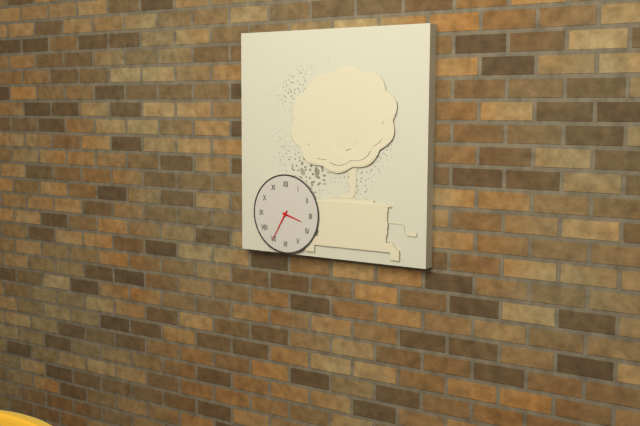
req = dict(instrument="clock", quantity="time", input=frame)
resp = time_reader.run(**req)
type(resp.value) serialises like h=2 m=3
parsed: h=3 m=35
